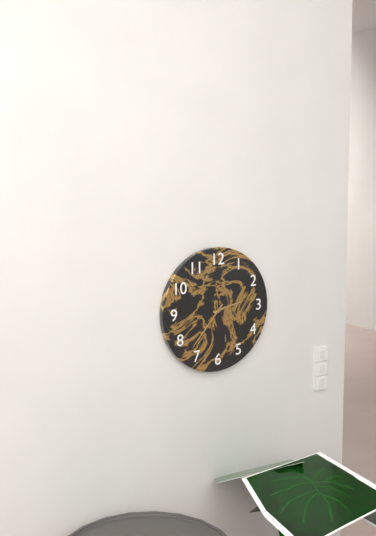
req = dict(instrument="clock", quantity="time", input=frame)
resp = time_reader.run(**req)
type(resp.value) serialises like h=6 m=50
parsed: h=2 m=37
